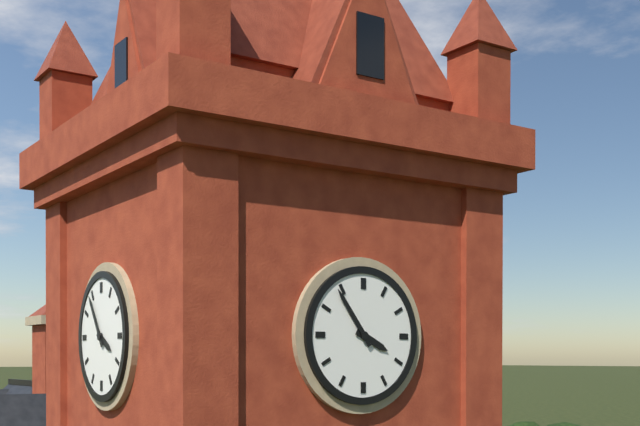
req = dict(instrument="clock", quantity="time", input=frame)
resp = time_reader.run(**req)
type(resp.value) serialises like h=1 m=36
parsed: h=3 m=54
